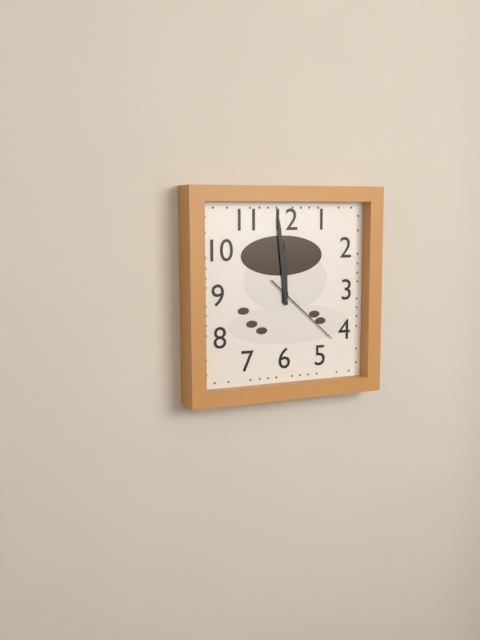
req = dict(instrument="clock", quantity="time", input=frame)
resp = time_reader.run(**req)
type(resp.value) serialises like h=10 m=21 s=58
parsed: h=11 m=59 s=22
